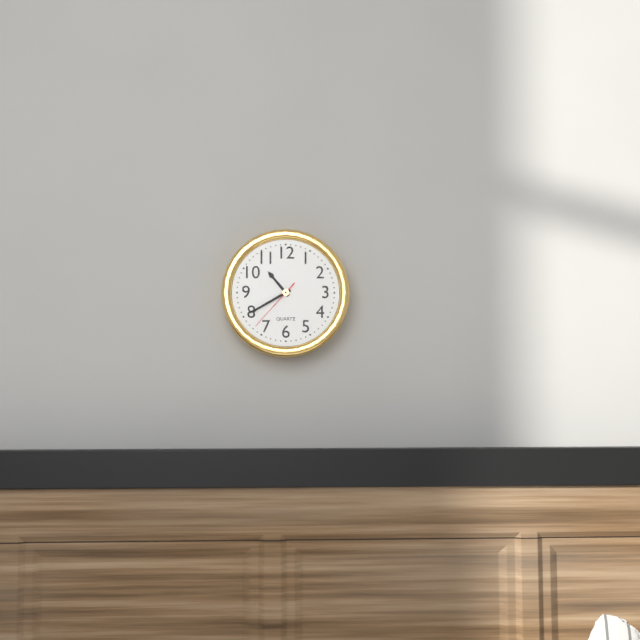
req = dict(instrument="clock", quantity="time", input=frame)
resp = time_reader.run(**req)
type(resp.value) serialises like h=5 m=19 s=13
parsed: h=10 m=40 s=37
